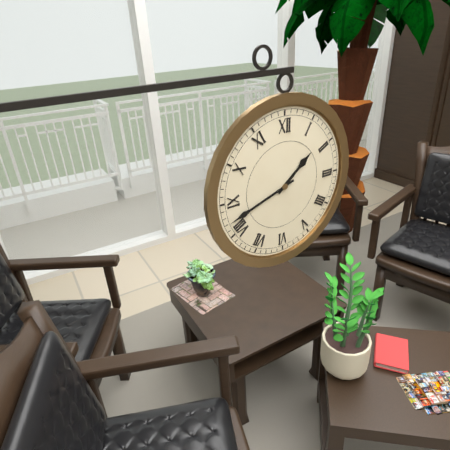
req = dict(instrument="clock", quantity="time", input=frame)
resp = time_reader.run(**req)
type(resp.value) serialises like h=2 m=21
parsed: h=1 m=42
